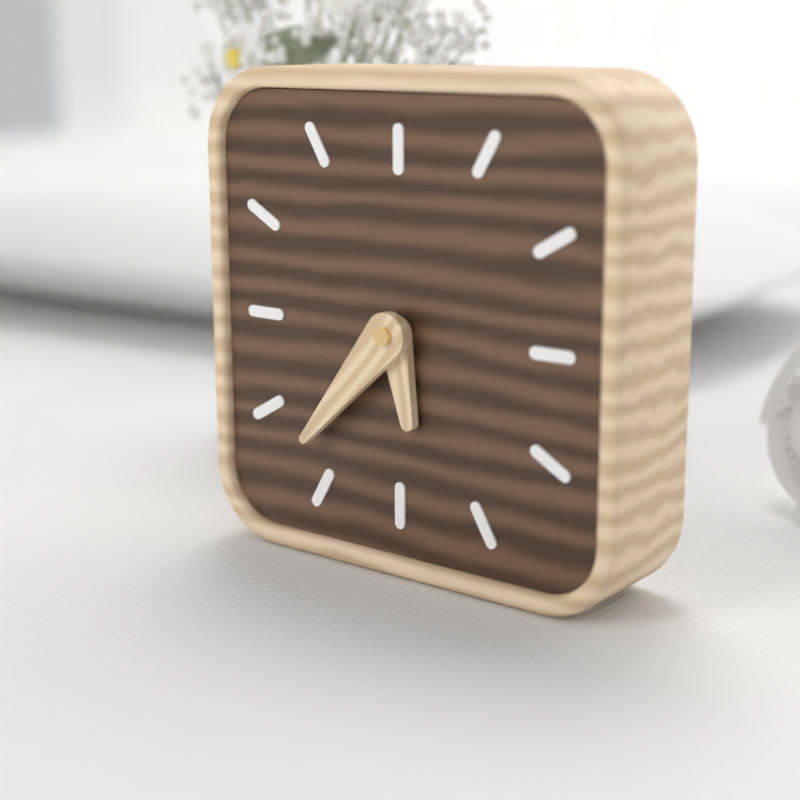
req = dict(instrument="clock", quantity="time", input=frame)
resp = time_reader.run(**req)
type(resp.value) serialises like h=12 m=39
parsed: h=5 m=37
